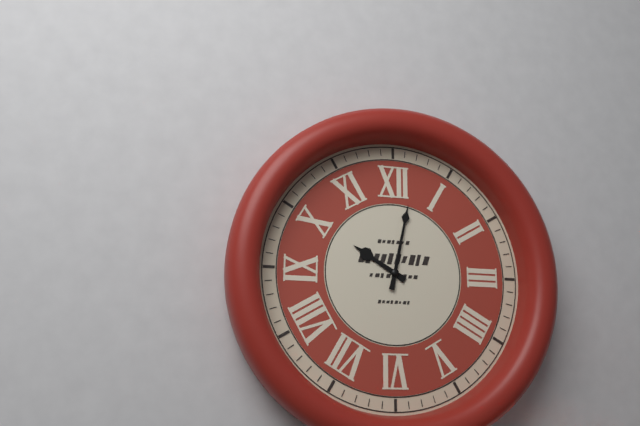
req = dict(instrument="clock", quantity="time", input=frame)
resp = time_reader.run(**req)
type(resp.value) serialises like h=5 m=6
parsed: h=10 m=2
